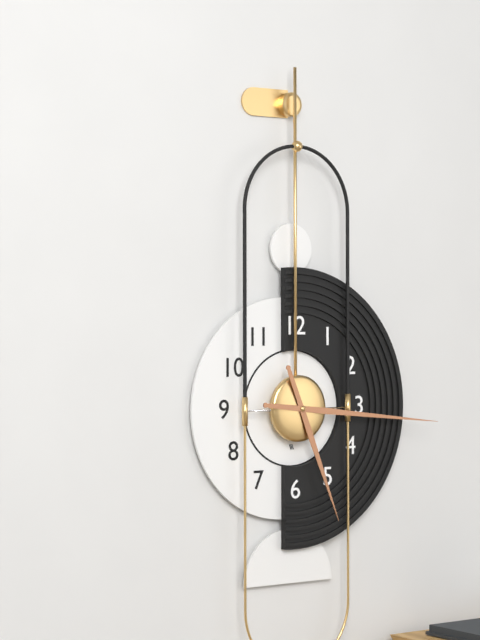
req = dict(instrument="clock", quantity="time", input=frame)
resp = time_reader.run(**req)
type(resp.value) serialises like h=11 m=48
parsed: h=5 m=16
